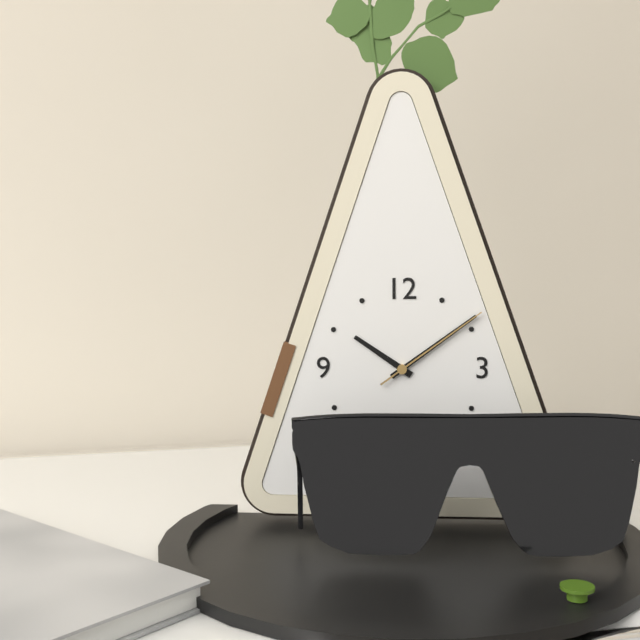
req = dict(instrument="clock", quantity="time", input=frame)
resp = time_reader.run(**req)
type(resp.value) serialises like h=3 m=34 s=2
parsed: h=10 m=9 s=9
